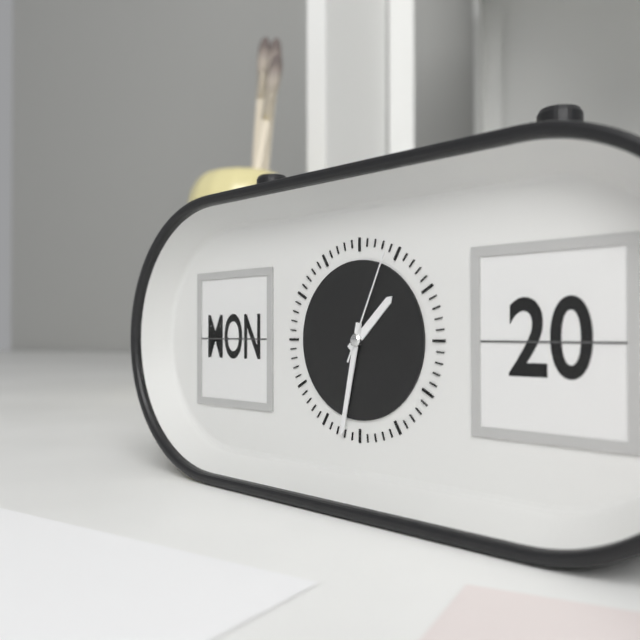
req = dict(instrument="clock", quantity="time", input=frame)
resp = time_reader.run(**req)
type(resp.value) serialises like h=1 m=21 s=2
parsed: h=1 m=32 s=4
